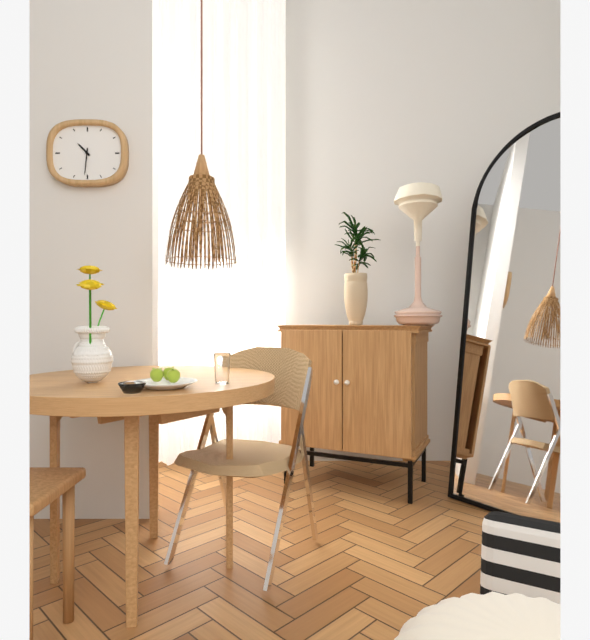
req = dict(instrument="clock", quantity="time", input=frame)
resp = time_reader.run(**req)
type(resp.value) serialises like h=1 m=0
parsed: h=10 m=31
